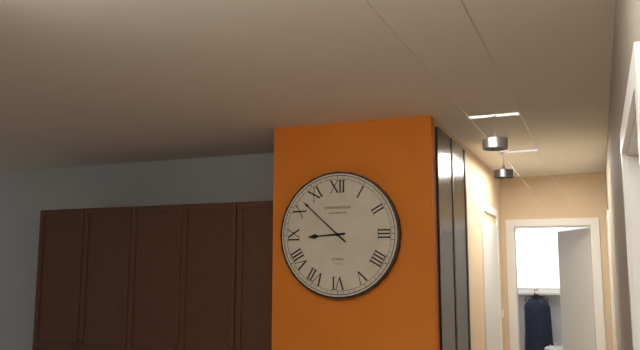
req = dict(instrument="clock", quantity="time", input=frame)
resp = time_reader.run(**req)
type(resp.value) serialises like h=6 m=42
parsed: h=8 m=52
